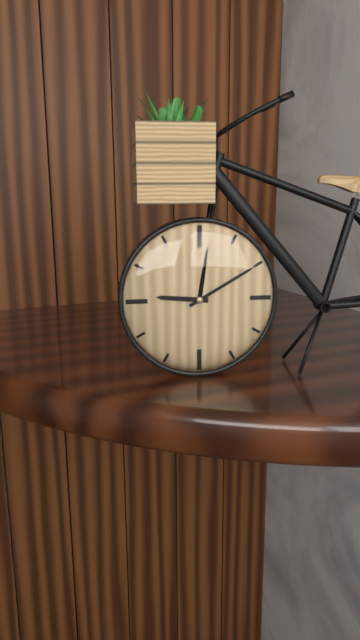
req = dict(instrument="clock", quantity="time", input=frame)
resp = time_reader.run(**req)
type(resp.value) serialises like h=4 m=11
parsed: h=9 m=10
